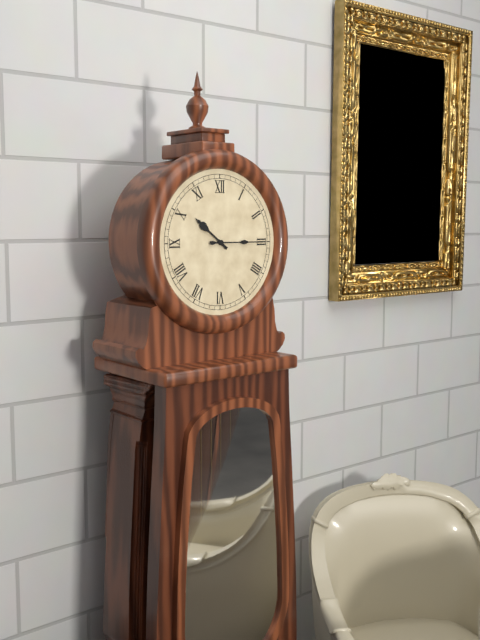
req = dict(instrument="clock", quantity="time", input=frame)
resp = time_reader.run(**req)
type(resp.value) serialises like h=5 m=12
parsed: h=10 m=15
